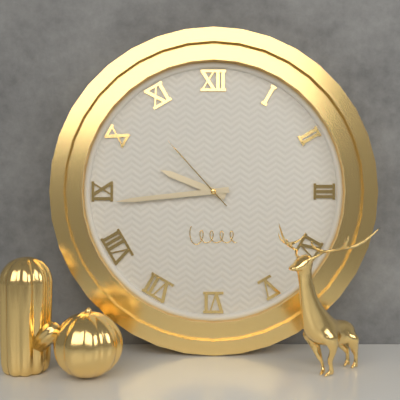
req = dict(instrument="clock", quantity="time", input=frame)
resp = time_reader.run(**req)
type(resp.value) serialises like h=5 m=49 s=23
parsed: h=9 m=44 s=53
